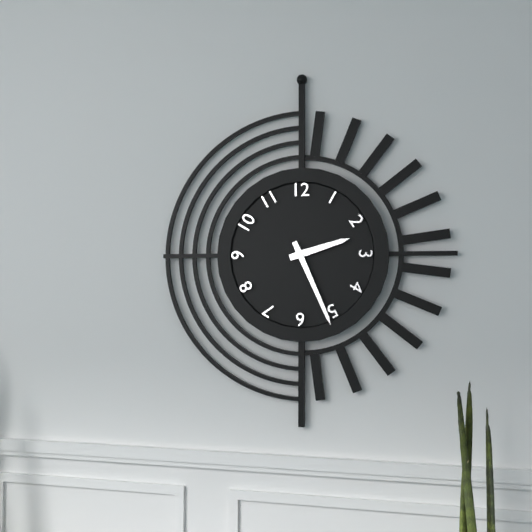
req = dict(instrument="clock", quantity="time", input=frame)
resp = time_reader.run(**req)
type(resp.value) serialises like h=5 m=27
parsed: h=2 m=26
